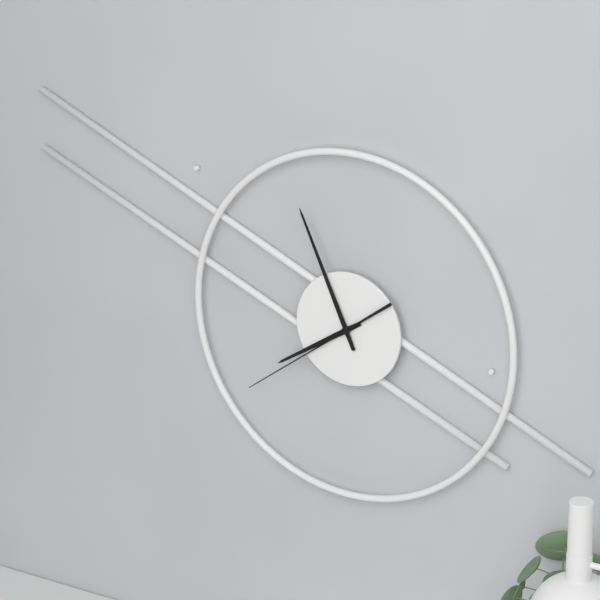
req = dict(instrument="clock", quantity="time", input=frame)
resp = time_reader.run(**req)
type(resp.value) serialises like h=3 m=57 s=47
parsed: h=7 m=56 s=39
